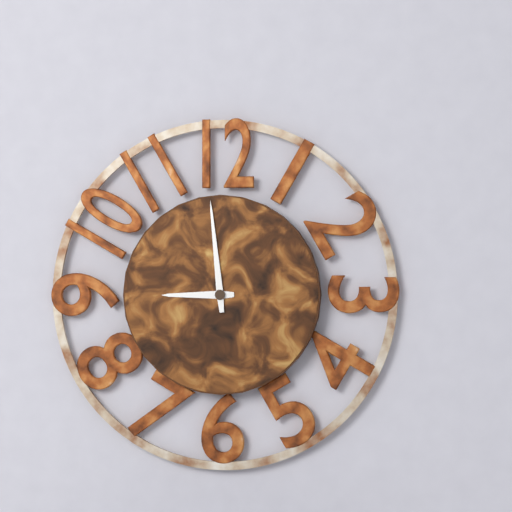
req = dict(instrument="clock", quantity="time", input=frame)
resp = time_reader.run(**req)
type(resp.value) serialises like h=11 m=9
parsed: h=8 m=59
